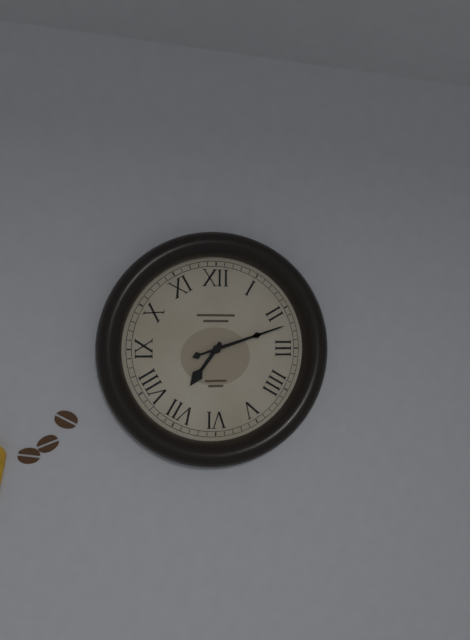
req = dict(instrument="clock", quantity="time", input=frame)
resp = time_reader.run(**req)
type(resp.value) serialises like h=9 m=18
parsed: h=7 m=12
